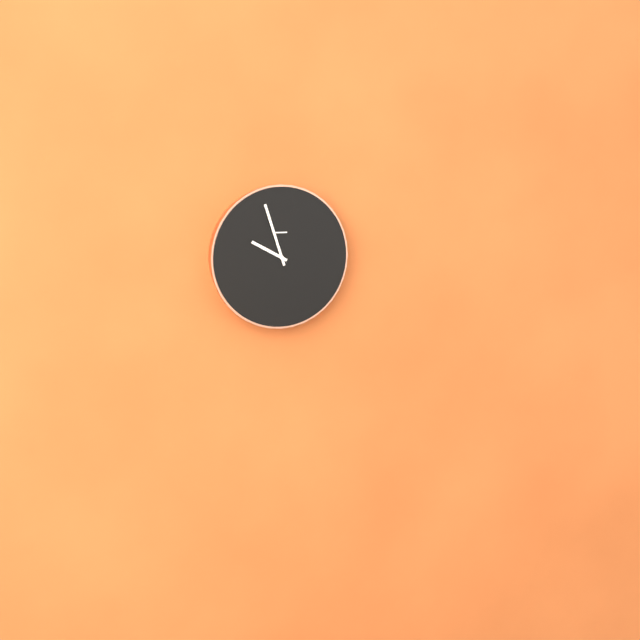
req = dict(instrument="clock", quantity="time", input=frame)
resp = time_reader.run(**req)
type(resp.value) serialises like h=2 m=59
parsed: h=9 m=57
